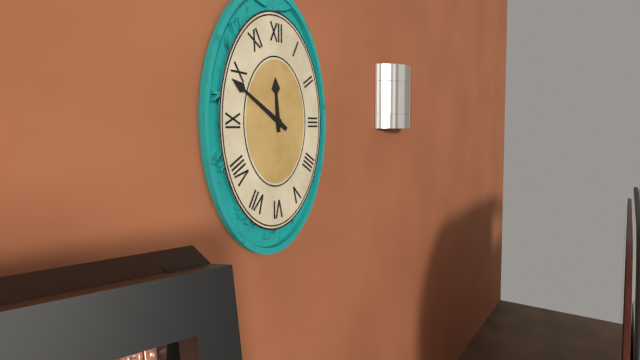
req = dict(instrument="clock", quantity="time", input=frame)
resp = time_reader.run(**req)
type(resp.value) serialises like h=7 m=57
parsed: h=11 m=50
